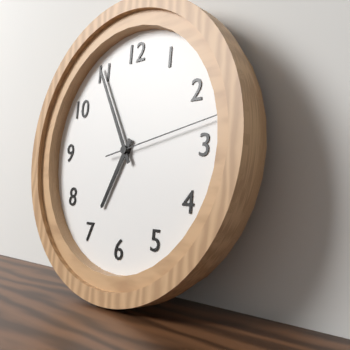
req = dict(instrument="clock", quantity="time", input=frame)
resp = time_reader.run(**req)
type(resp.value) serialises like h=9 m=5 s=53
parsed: h=6 m=55 s=13
